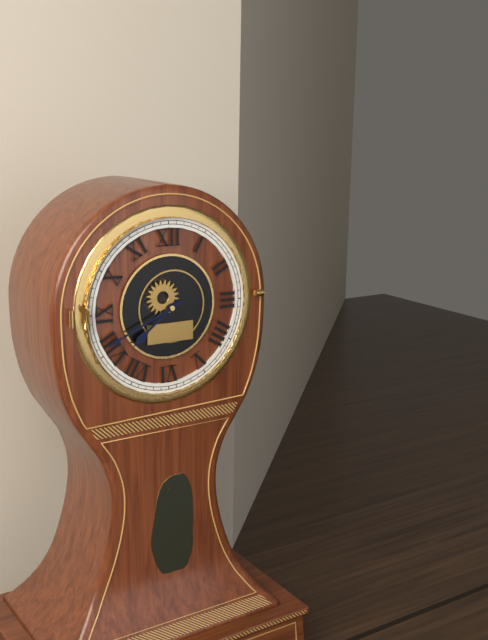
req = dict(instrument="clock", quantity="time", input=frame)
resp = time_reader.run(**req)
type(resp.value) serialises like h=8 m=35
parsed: h=7 m=41
